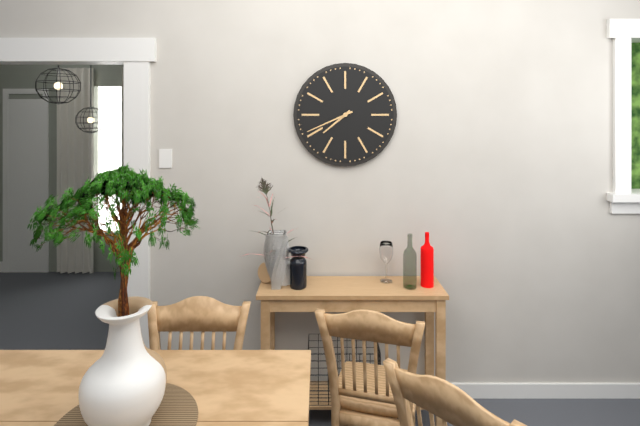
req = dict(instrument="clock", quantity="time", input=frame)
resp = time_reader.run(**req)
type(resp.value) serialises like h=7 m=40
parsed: h=7 m=41
